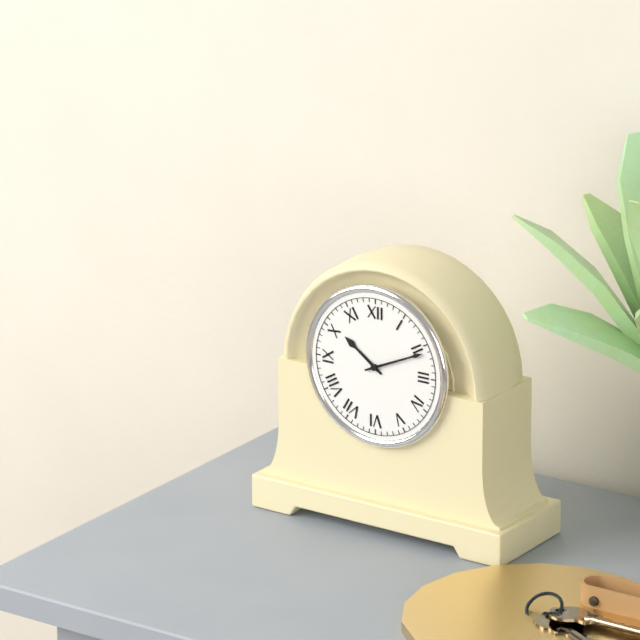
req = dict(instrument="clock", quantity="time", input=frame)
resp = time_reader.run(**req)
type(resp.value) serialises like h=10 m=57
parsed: h=10 m=11
